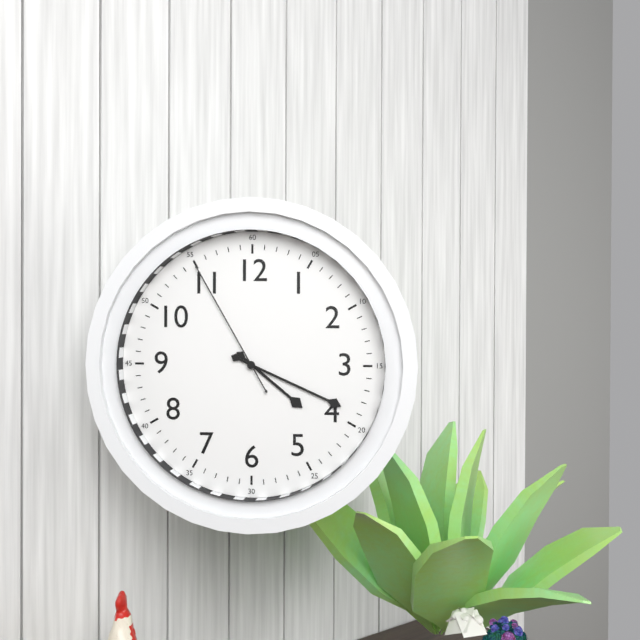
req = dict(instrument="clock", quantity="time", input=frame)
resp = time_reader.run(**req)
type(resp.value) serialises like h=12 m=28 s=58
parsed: h=4 m=19 s=55
